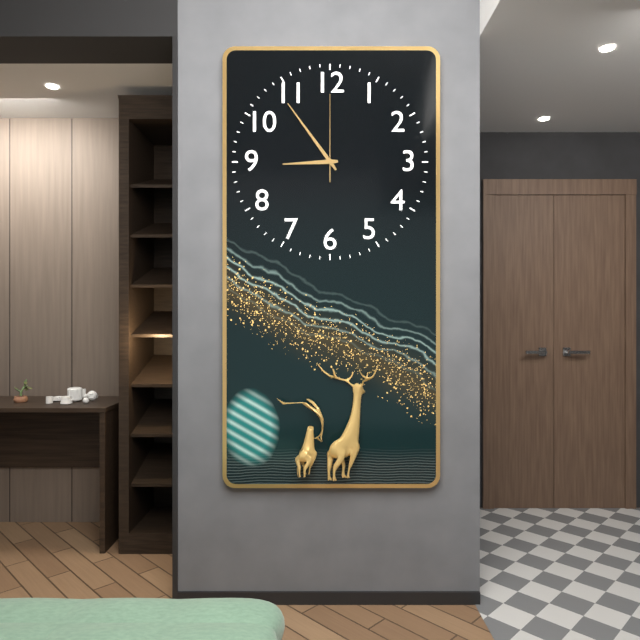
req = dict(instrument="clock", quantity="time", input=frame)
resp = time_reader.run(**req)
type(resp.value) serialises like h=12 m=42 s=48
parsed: h=8 m=54 s=0
